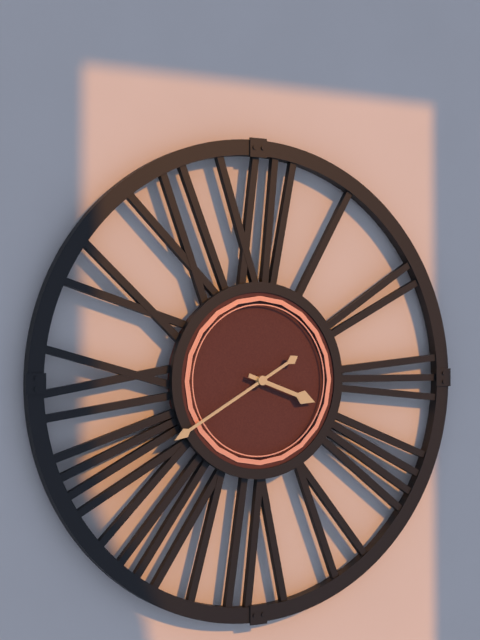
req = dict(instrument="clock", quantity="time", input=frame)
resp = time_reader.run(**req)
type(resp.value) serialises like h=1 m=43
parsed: h=3 m=40
